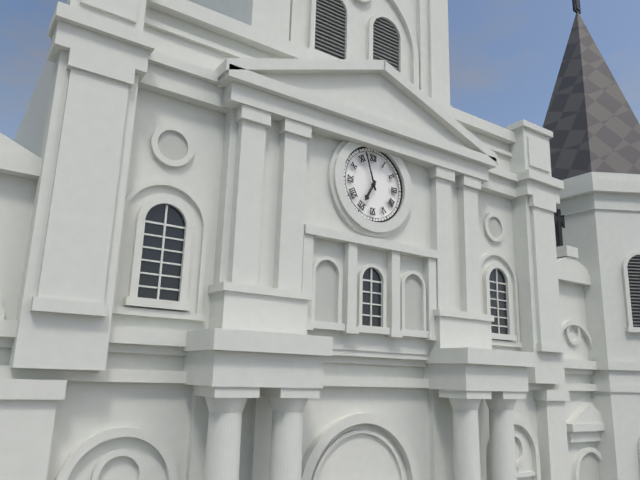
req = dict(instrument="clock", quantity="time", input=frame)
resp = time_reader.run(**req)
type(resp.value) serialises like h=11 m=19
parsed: h=6 m=57
